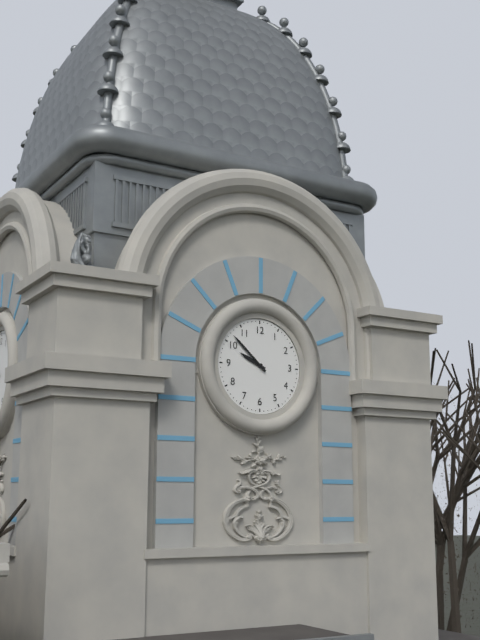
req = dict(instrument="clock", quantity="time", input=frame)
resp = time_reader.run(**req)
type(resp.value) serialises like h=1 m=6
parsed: h=9 m=52
